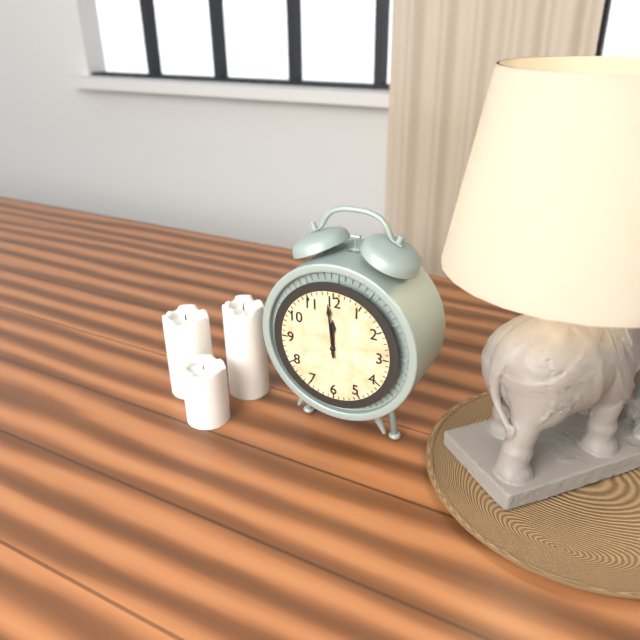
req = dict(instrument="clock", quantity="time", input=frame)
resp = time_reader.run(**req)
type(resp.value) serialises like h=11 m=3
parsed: h=11 m=59
